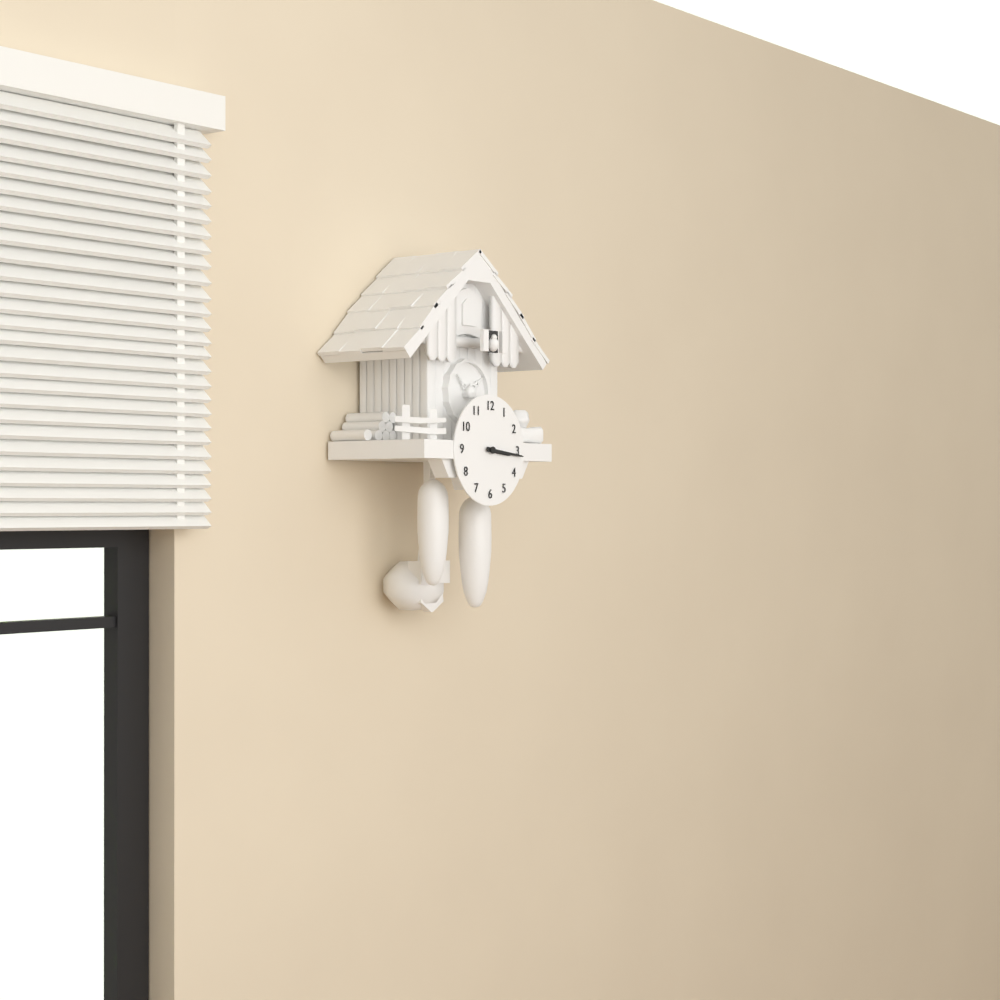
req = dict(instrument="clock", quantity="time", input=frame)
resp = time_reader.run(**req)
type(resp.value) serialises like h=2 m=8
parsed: h=3 m=16
